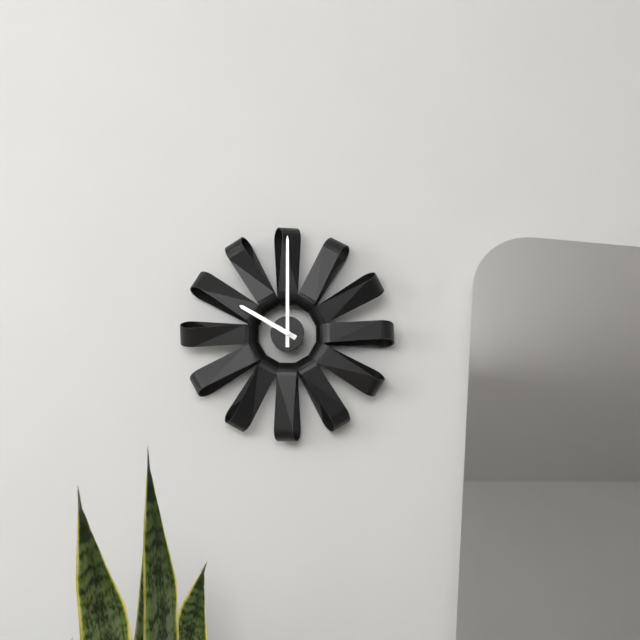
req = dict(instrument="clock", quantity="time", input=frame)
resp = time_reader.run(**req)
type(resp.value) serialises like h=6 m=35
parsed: h=10 m=0
